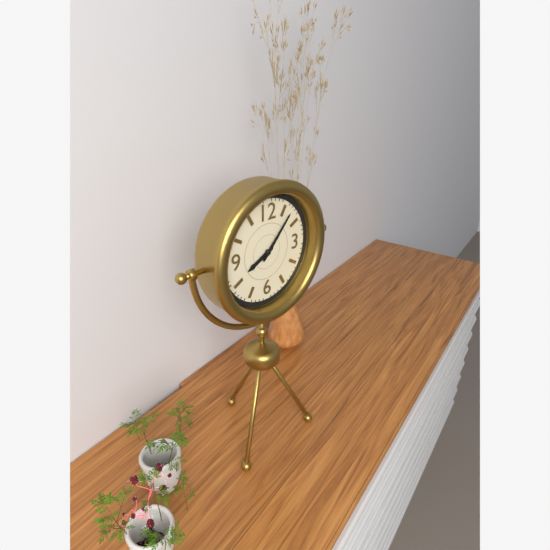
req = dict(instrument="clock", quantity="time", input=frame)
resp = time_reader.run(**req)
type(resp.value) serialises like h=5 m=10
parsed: h=8 m=7
